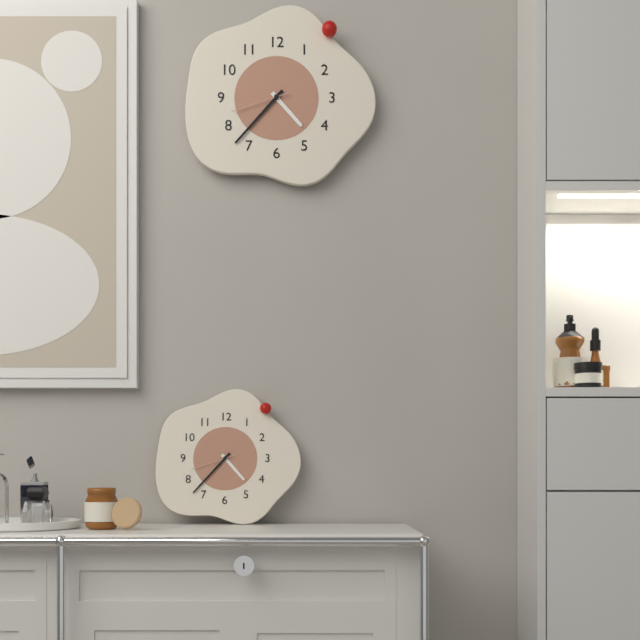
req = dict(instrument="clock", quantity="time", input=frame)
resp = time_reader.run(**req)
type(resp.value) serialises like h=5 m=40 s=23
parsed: h=4 m=37 s=42
